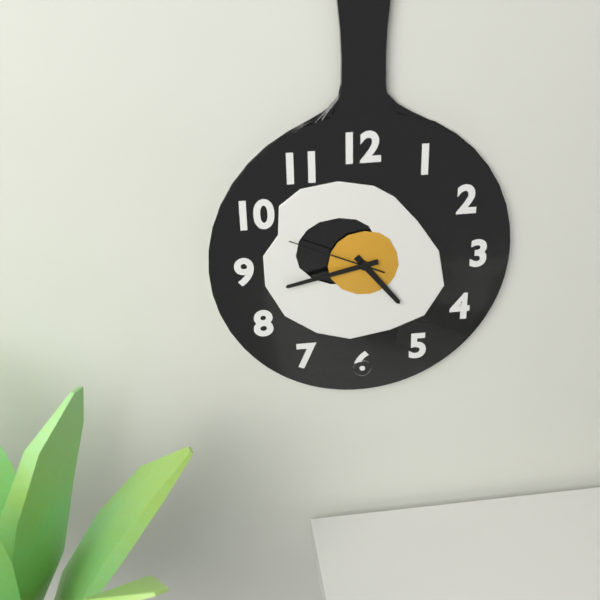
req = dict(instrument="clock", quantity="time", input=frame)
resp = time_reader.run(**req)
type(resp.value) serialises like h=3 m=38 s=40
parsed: h=4 m=43 s=49
